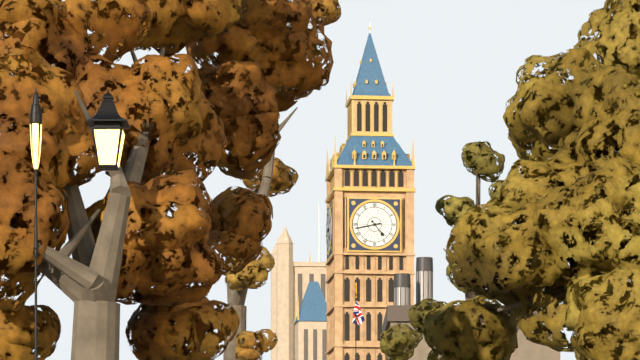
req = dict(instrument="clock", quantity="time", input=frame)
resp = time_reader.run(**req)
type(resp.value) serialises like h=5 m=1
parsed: h=4 m=43
